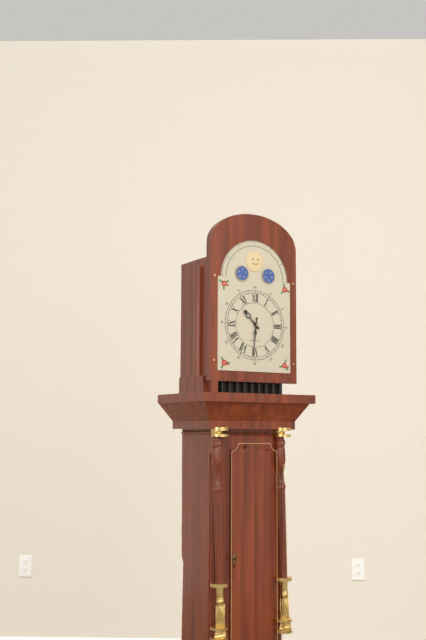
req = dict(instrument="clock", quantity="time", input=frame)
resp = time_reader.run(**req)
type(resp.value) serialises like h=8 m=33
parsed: h=10 m=31
